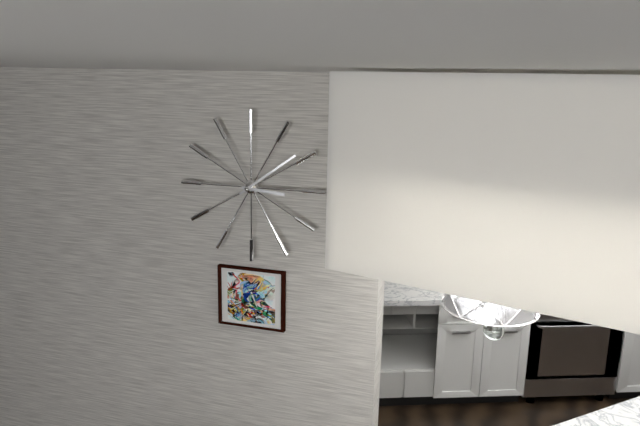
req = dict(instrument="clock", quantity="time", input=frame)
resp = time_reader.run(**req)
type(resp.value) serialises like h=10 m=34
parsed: h=3 m=9
